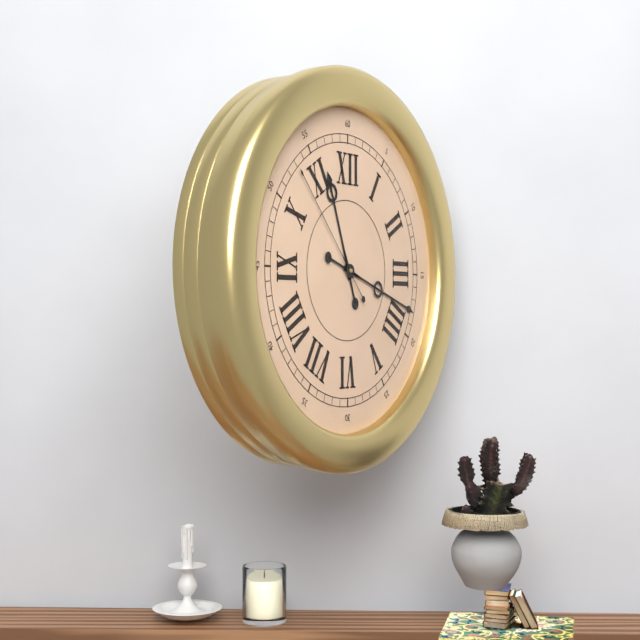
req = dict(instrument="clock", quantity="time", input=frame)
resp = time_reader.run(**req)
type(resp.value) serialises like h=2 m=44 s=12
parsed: h=11 m=18 s=53
